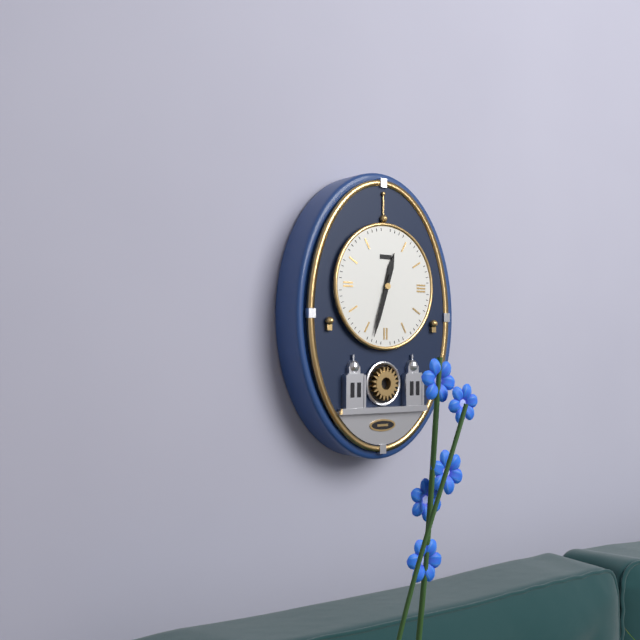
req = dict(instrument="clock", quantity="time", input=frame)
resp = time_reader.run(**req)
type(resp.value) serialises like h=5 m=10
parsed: h=12 m=33
